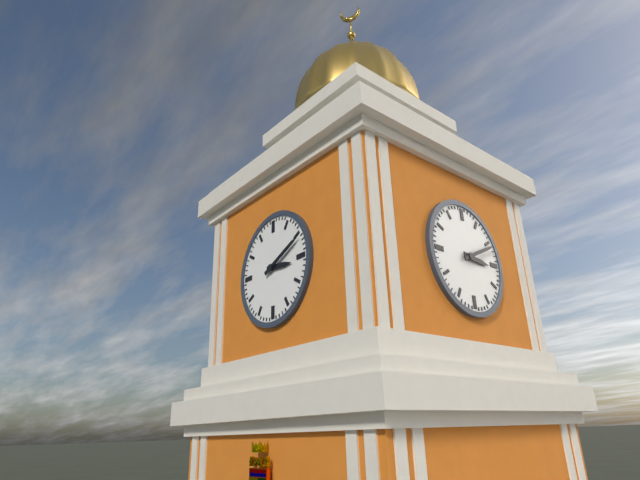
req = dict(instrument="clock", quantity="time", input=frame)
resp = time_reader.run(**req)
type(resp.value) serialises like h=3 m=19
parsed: h=3 m=11
